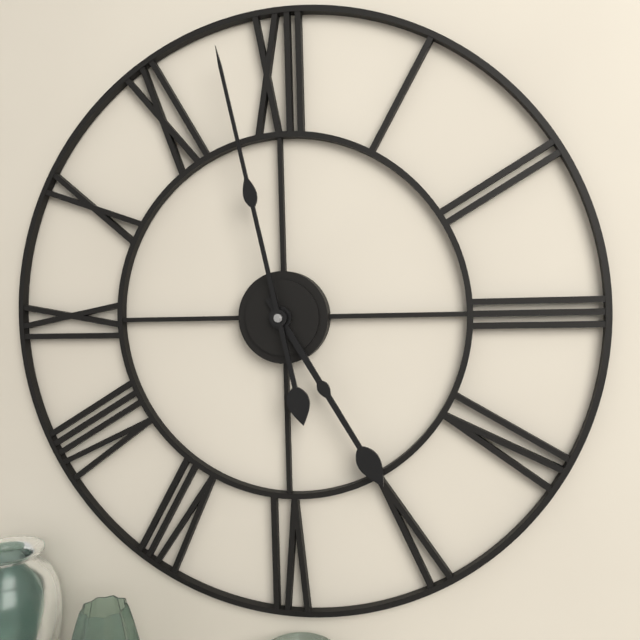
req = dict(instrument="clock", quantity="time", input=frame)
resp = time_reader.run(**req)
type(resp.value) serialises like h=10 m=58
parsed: h=4 m=58
